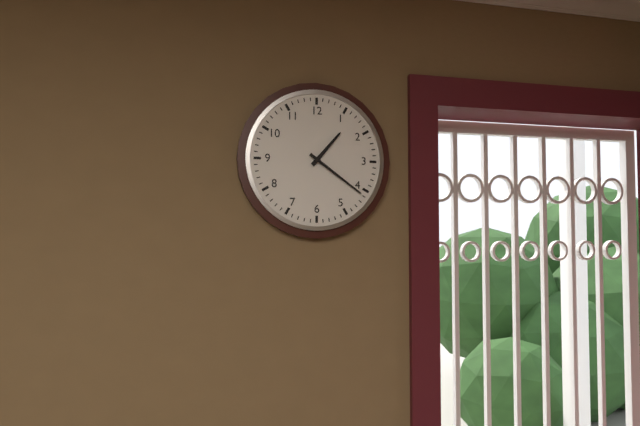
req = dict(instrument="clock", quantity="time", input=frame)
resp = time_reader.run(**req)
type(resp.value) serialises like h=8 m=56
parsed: h=1 m=21
